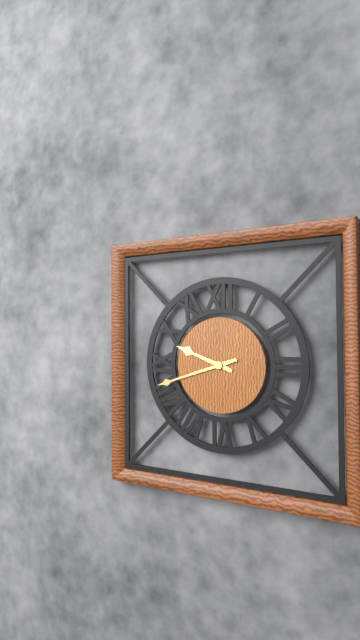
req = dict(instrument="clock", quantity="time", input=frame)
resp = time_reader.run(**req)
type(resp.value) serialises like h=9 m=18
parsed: h=9 m=42
